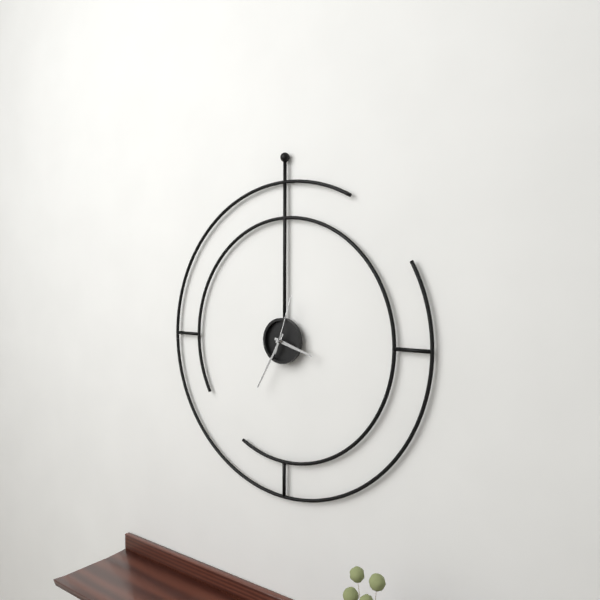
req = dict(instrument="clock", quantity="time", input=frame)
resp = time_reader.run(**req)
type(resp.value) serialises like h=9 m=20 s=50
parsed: h=3 m=35 s=3
